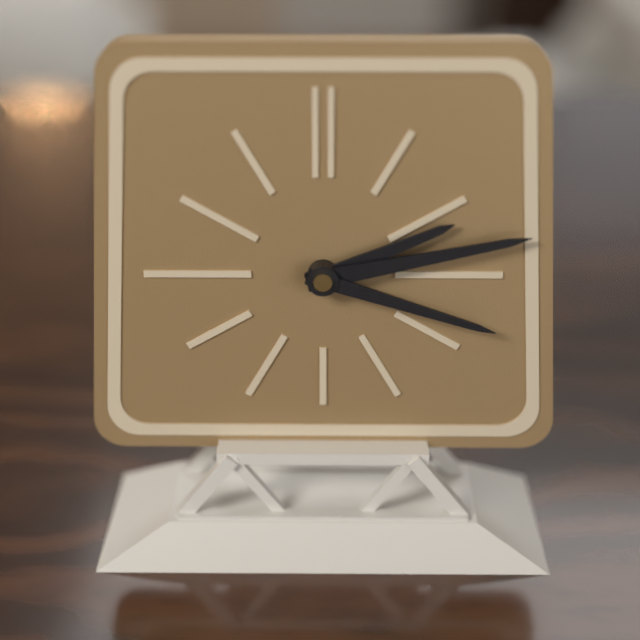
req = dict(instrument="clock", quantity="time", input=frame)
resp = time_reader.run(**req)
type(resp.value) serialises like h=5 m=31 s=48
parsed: h=2 m=13 s=18
